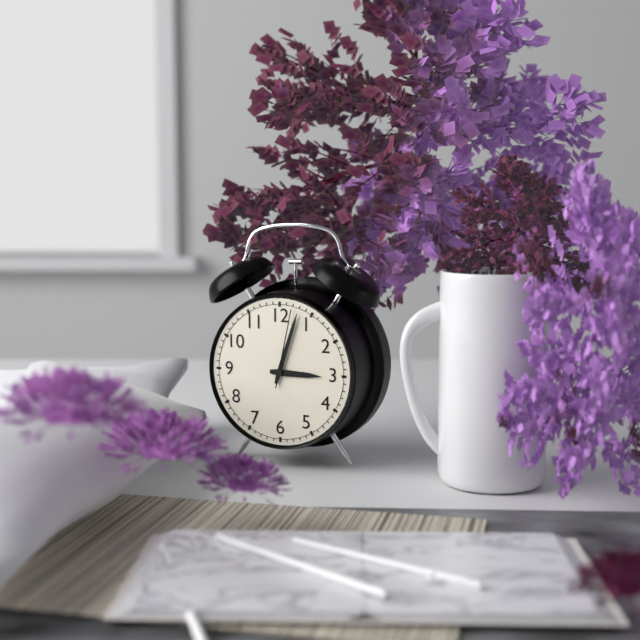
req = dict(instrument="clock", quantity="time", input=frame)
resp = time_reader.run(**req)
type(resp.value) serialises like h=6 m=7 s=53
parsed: h=3 m=3 s=2
